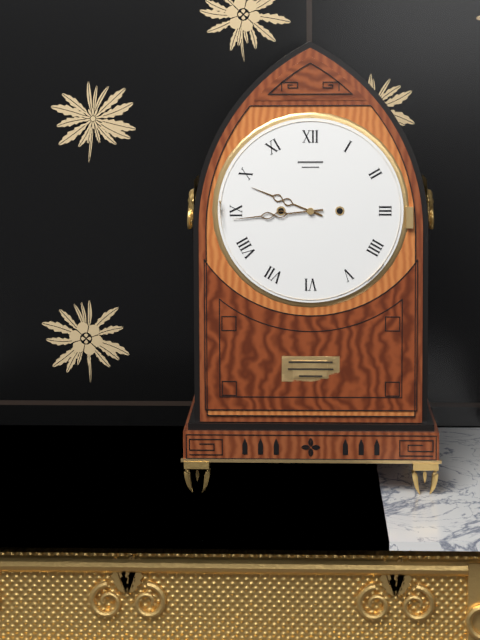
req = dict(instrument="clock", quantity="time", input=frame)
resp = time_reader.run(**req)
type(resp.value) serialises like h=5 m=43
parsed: h=9 m=44
